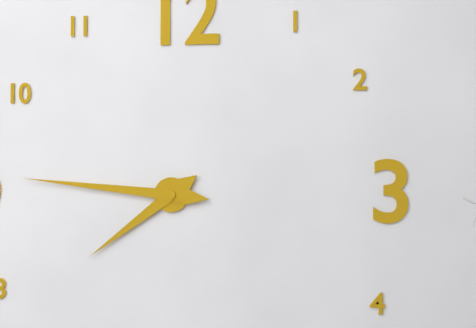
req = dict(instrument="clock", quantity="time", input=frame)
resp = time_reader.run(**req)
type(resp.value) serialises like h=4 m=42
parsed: h=7 m=46
